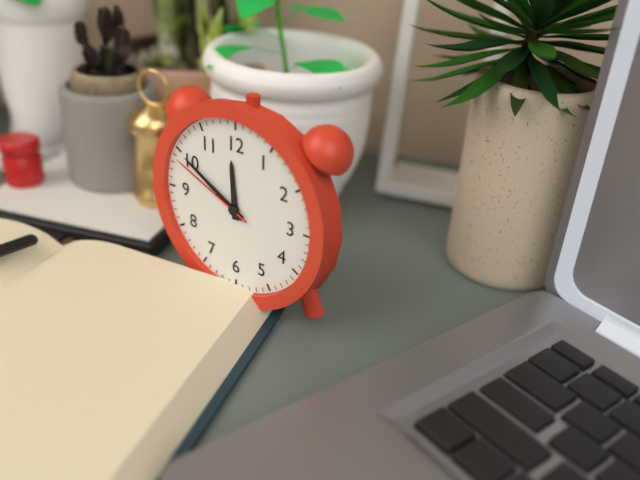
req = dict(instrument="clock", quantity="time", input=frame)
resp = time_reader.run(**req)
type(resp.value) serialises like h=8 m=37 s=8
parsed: h=11 m=50 s=49
